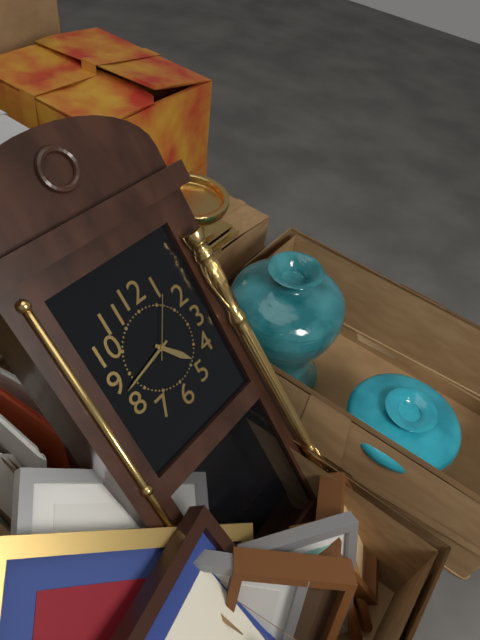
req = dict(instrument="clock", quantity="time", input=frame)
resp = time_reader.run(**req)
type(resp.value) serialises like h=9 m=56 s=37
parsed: h=4 m=43 s=6
